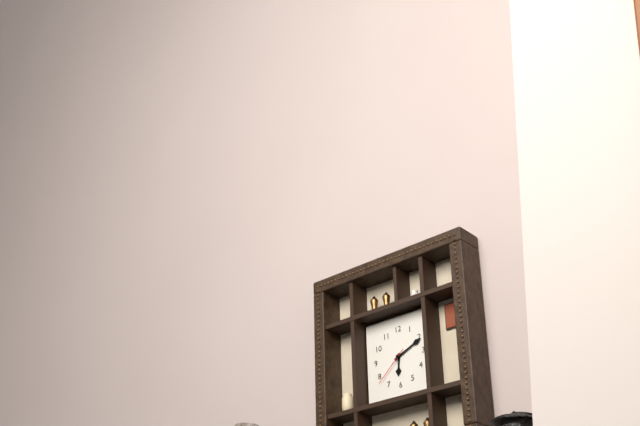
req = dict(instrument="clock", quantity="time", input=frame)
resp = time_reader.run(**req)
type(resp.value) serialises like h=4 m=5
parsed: h=6 m=11
